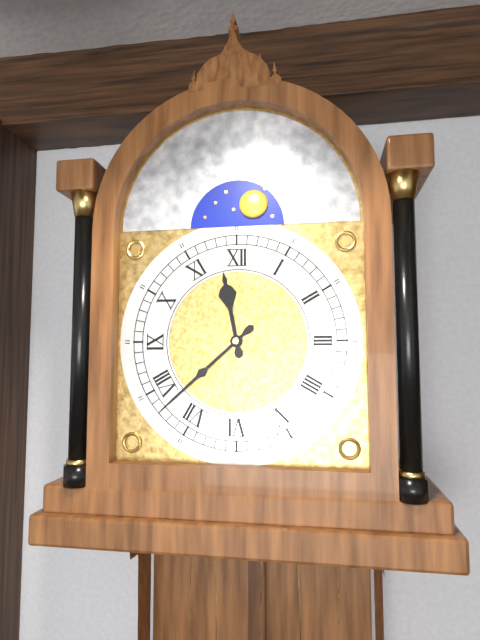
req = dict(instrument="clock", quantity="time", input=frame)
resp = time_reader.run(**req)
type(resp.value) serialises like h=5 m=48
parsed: h=11 m=38
